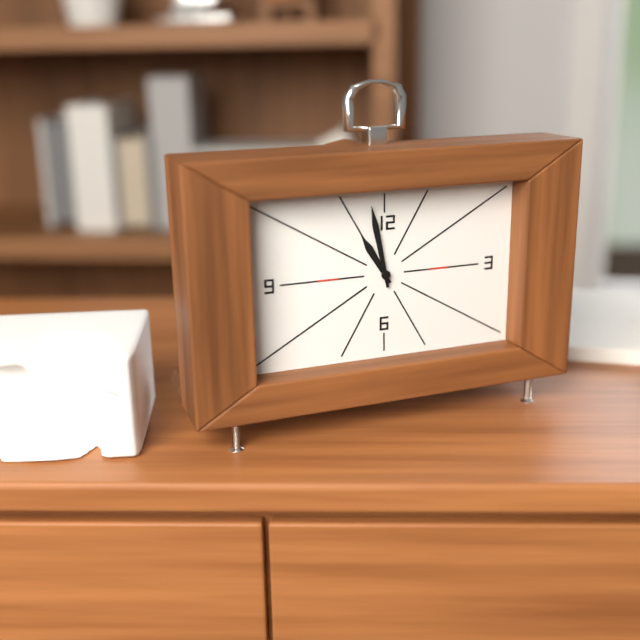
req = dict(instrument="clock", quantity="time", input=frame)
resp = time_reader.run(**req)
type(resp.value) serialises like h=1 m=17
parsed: h=10 m=58
